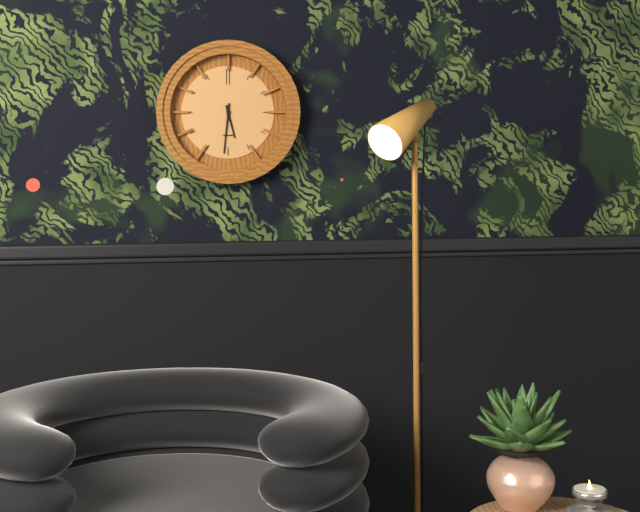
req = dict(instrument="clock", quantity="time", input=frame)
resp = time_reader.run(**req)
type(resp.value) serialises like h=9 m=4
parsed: h=5 m=31
